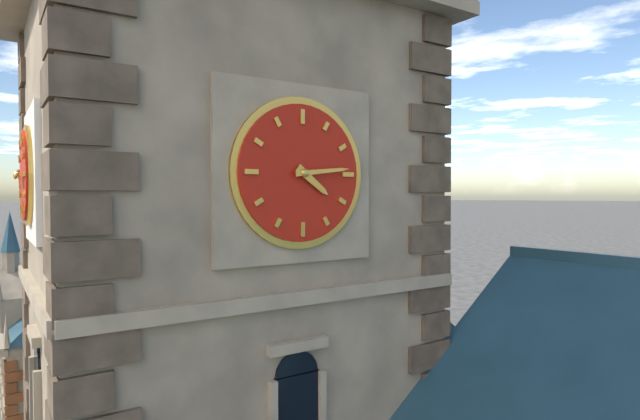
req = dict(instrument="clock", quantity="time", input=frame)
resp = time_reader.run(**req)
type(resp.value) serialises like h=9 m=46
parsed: h=4 m=14
